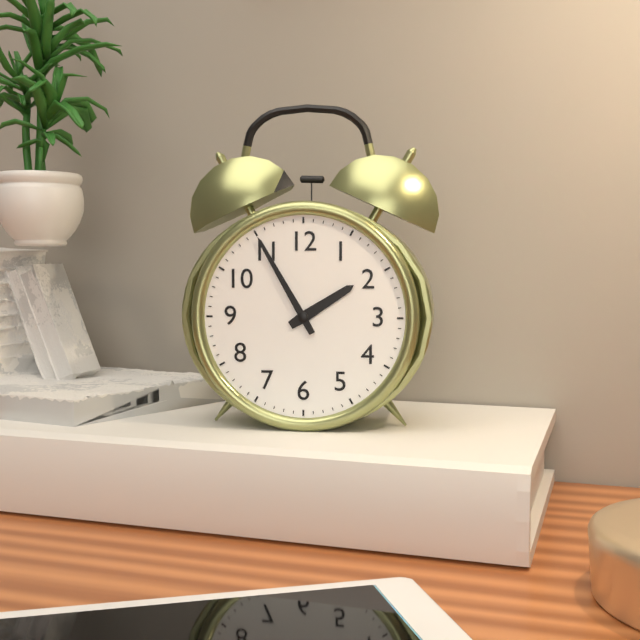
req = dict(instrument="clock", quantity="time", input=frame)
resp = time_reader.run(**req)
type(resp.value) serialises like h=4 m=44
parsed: h=1 m=55
